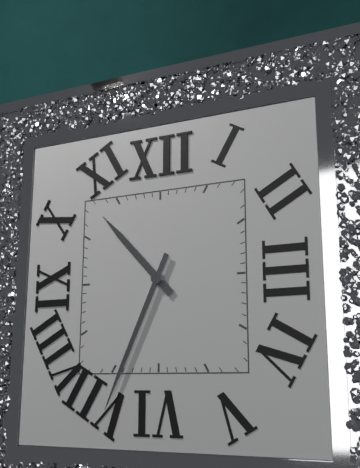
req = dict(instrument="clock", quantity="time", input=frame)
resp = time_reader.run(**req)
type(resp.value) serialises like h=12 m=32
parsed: h=10 m=34
